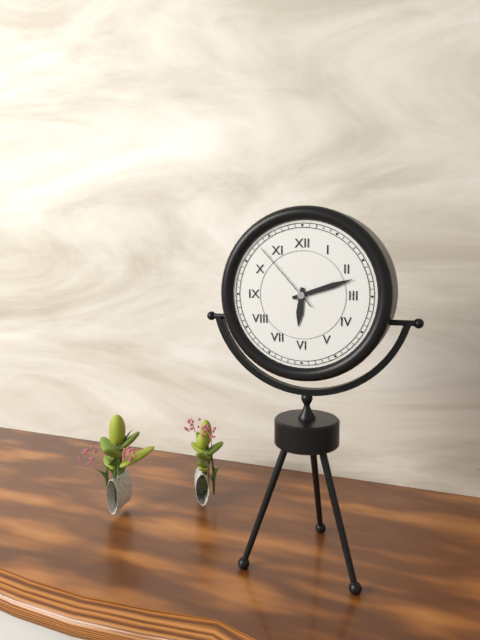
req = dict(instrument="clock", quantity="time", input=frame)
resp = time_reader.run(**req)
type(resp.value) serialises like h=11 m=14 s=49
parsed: h=6 m=12 s=53
